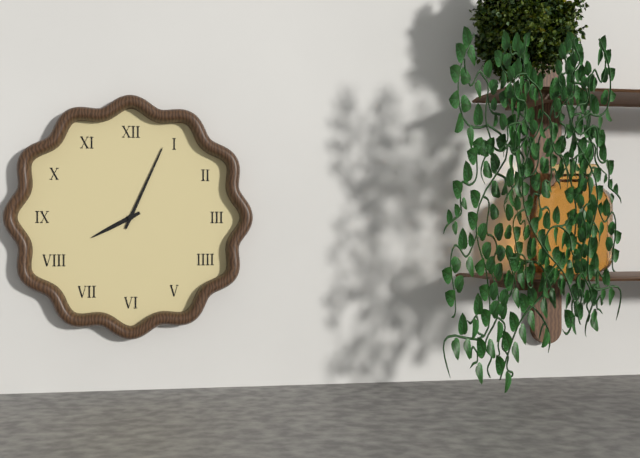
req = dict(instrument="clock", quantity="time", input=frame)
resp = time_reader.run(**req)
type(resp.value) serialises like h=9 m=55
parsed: h=8 m=4
